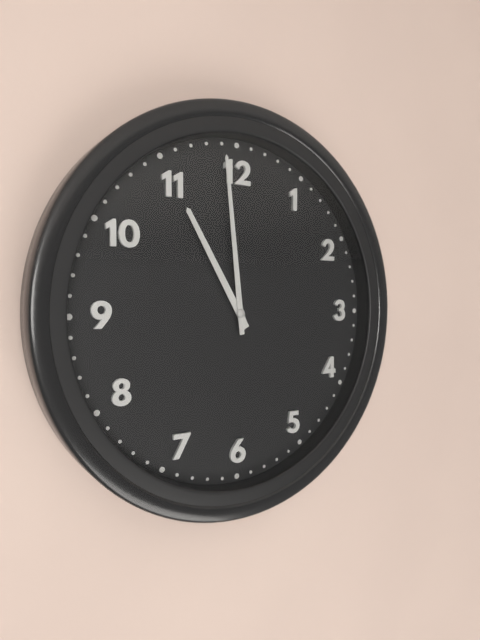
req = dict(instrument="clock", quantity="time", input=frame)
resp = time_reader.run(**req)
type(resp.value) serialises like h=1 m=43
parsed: h=10 m=59
